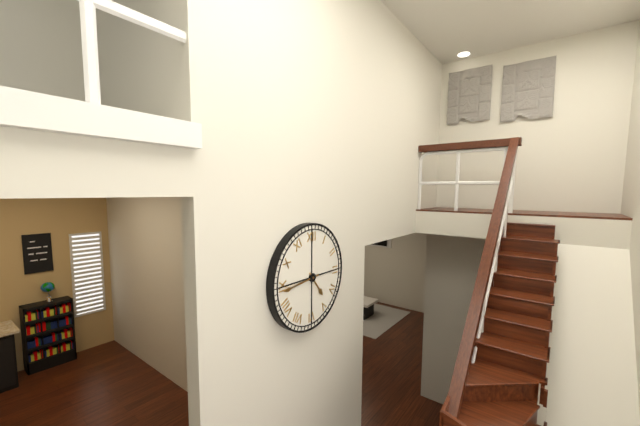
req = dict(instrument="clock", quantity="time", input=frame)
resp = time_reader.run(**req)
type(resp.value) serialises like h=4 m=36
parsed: h=4 m=44
